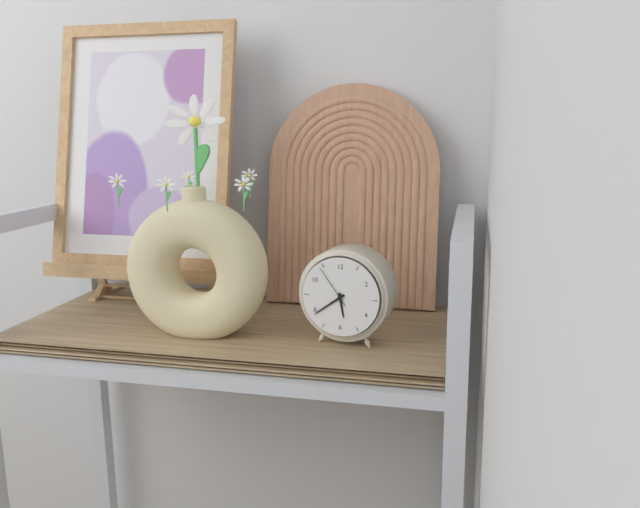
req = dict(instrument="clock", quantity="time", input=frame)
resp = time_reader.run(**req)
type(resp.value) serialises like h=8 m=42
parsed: h=5 m=39
